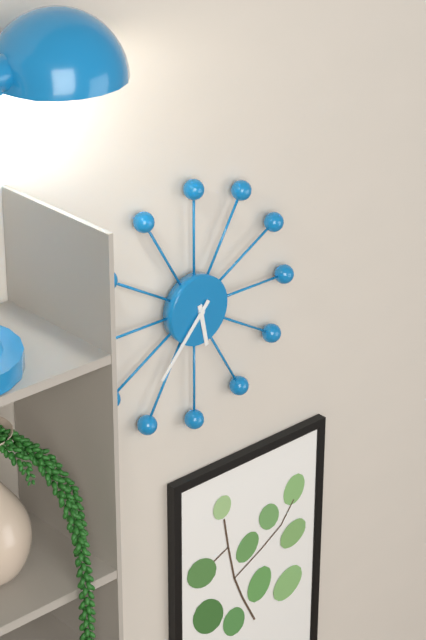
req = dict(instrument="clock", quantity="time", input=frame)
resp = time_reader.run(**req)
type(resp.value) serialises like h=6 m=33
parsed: h=5 m=37
